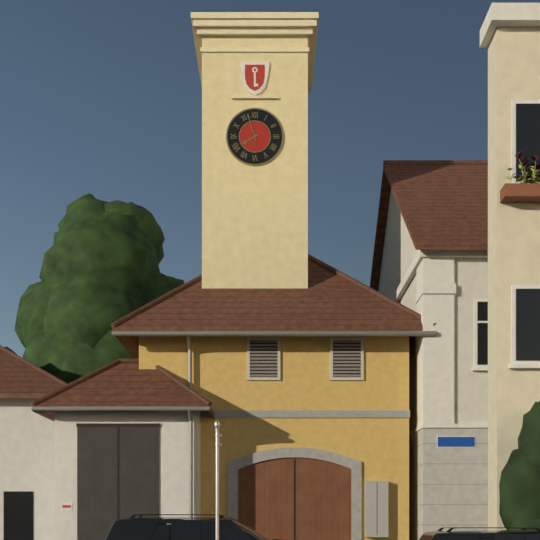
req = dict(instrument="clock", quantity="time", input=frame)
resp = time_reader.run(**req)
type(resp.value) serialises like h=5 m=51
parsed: h=7 m=57
